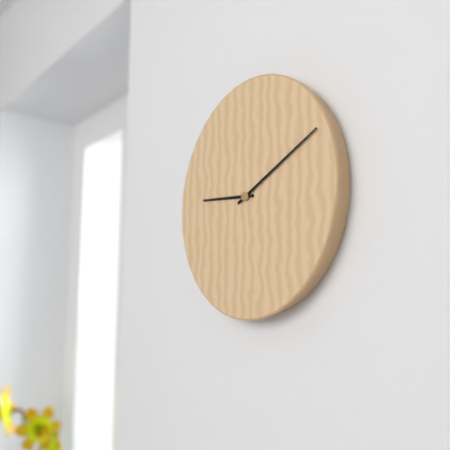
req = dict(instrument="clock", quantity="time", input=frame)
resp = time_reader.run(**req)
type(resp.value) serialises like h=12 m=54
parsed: h=9 m=11
